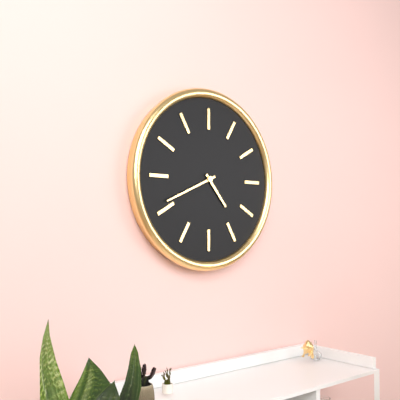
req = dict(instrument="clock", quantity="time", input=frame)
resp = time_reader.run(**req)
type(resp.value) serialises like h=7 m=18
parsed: h=4 m=41
